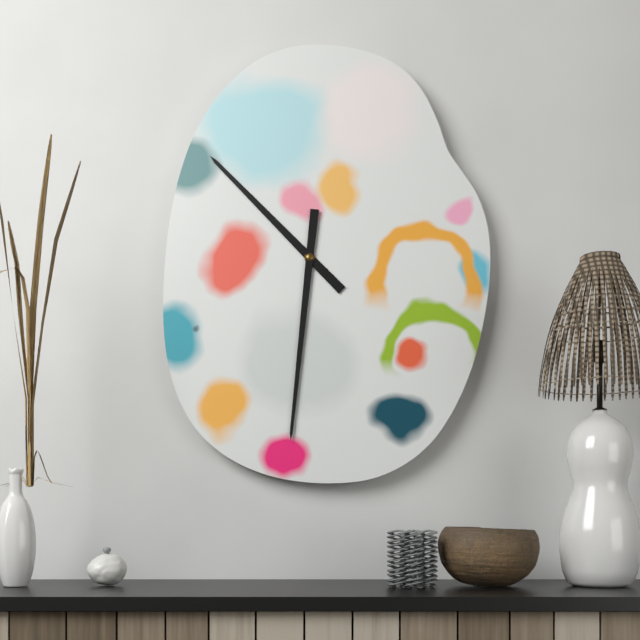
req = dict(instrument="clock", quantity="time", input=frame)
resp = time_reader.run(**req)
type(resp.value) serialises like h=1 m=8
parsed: h=10 m=31
